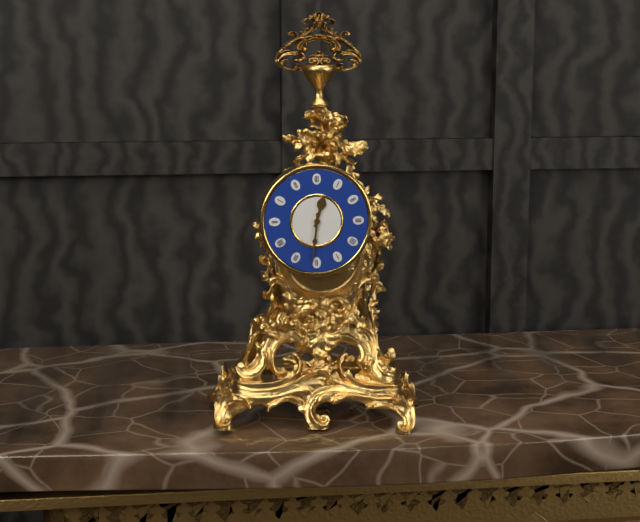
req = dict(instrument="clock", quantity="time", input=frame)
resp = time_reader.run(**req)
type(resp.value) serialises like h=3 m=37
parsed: h=12 m=31
